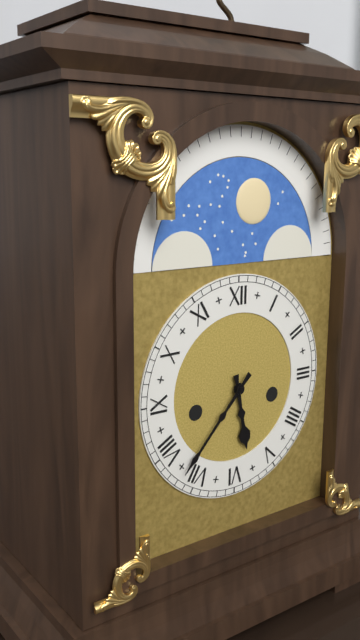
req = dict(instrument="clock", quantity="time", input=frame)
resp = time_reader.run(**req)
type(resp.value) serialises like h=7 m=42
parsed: h=5 m=37
